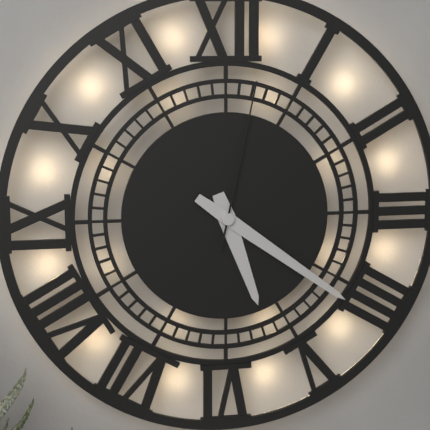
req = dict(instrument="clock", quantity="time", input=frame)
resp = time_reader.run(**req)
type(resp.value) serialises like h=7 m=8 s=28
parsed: h=5 m=21 s=2
